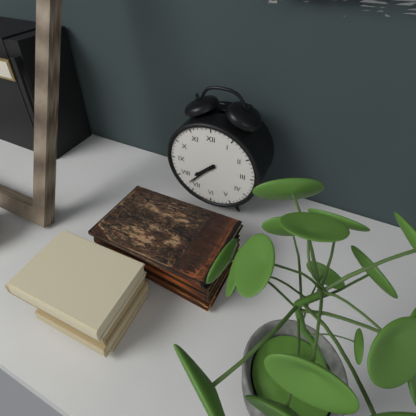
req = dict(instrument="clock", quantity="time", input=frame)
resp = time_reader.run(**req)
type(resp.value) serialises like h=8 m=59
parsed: h=7 m=37
